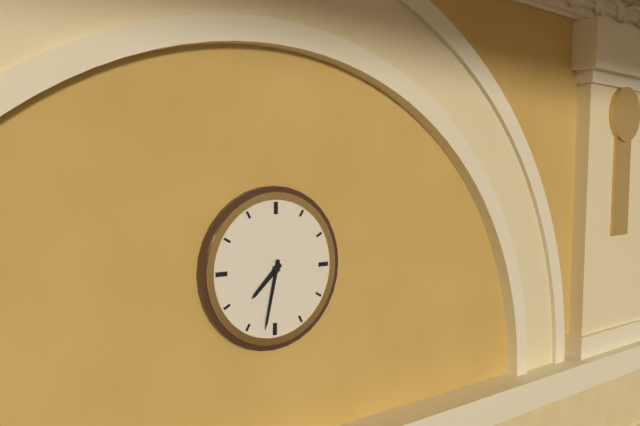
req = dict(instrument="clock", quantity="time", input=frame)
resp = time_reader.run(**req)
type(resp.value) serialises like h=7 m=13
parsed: h=7 m=32
